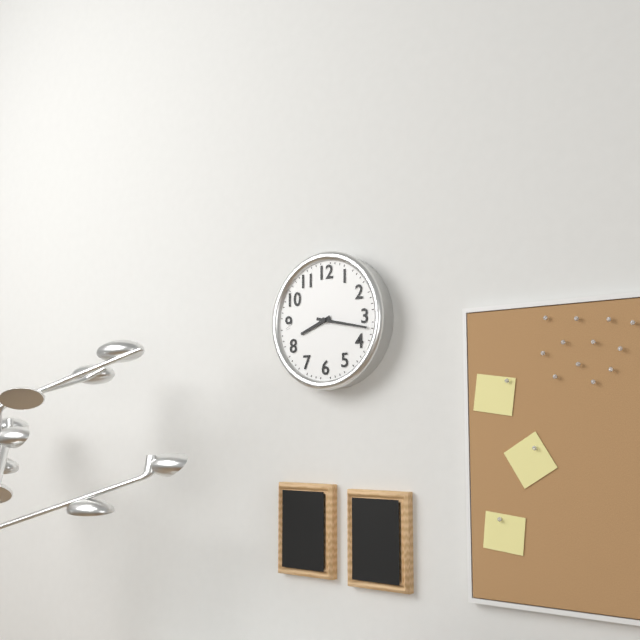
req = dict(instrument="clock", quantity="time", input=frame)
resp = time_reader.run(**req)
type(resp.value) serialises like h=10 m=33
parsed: h=8 m=17
